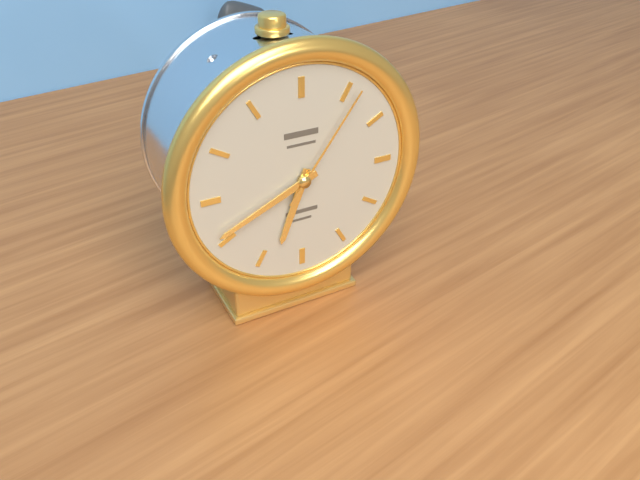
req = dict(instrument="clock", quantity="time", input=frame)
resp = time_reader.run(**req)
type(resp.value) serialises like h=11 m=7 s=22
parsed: h=6 m=41 s=6
